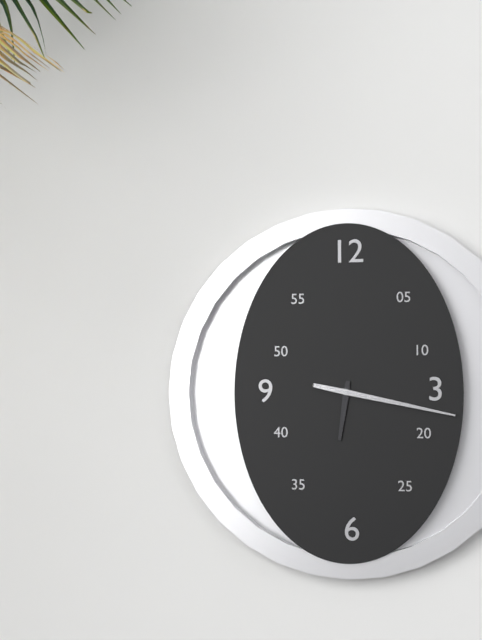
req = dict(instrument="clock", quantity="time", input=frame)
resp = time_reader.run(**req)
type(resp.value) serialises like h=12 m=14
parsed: h=6 m=17
